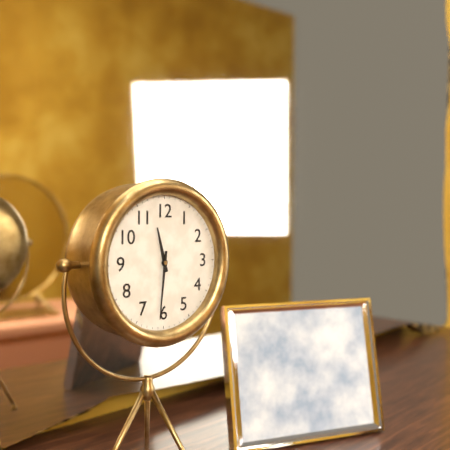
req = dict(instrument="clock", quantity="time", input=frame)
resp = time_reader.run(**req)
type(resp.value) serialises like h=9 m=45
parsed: h=11 m=31
